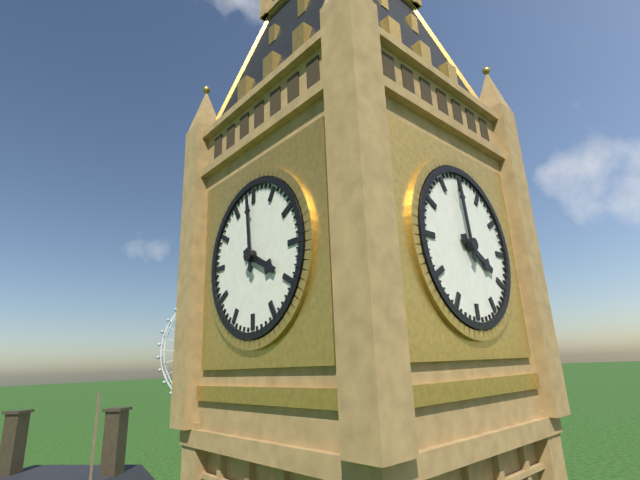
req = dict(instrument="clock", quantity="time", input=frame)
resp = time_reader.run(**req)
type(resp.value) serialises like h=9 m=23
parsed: h=3 m=59
